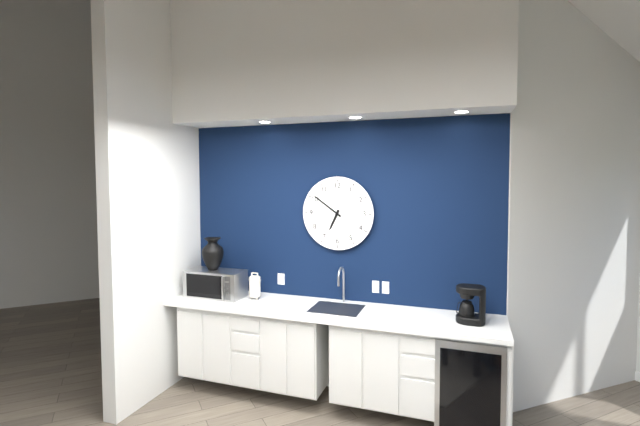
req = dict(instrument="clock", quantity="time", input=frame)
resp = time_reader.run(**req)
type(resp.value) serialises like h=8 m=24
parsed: h=6 m=51
